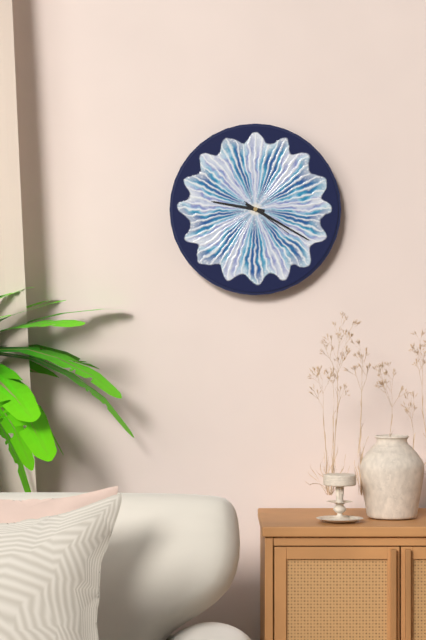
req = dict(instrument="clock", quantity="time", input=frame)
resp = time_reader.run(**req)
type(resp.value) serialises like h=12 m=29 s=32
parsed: h=9 m=20 s=21
